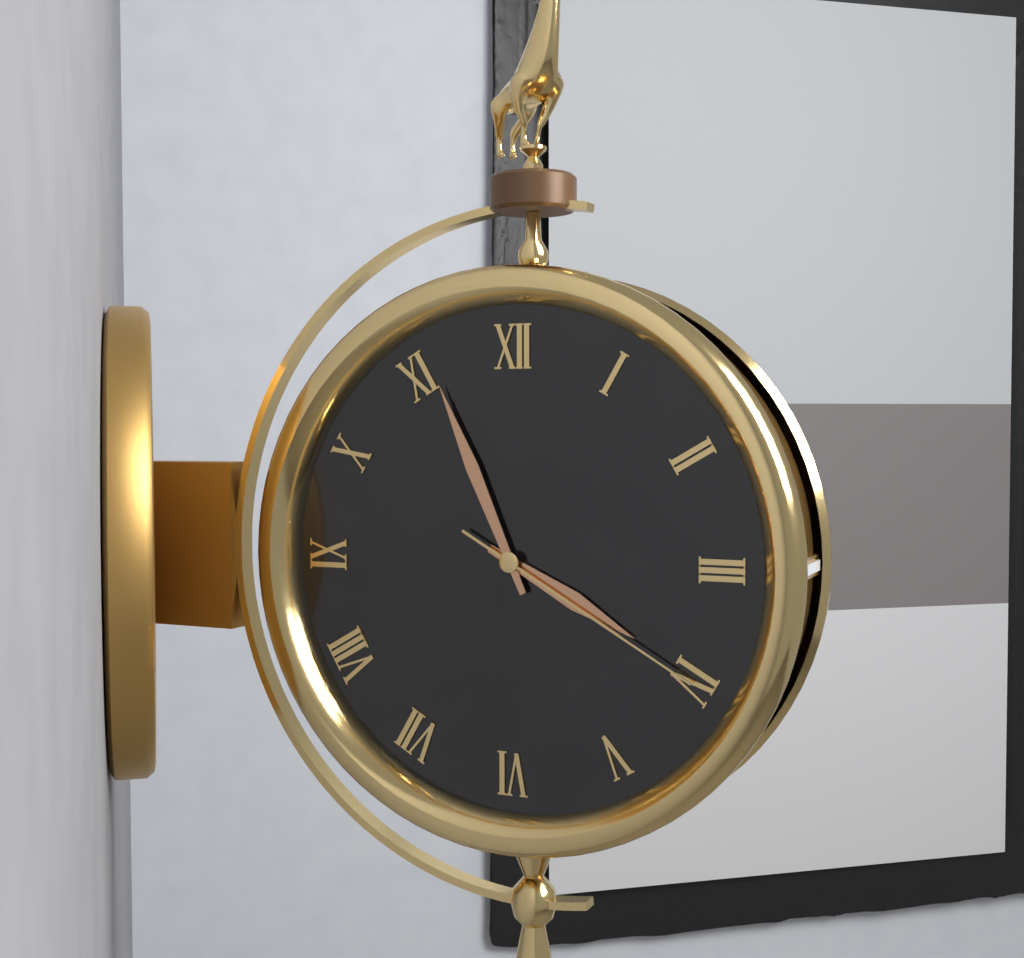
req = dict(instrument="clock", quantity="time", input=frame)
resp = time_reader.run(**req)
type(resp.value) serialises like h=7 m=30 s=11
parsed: h=3 m=56 s=20
